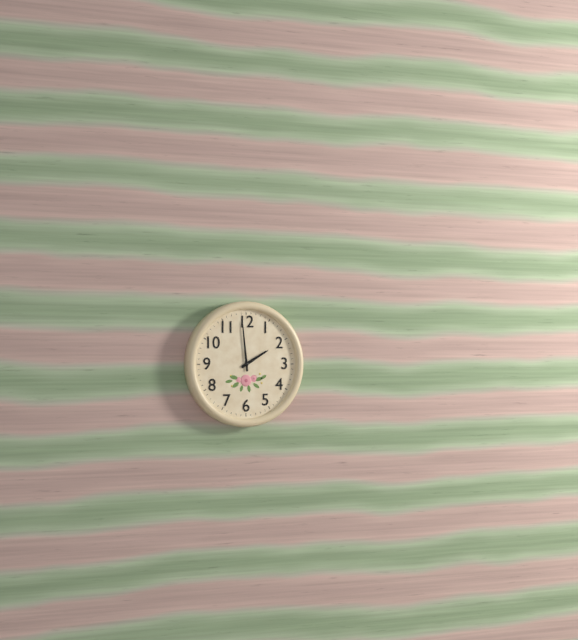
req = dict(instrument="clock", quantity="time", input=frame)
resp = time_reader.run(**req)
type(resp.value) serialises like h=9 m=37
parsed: h=1 m=59
